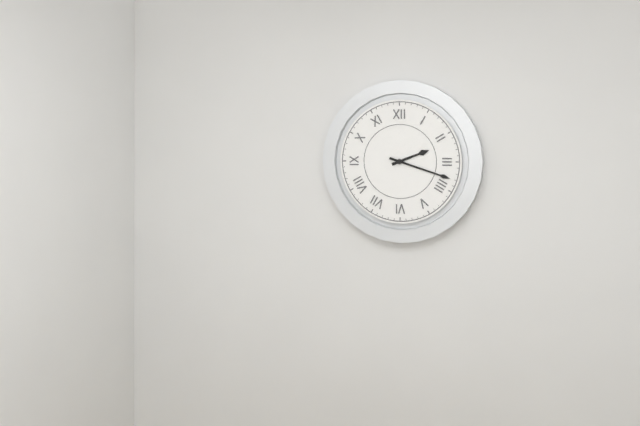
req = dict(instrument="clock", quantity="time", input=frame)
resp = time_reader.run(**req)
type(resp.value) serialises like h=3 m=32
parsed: h=2 m=18
